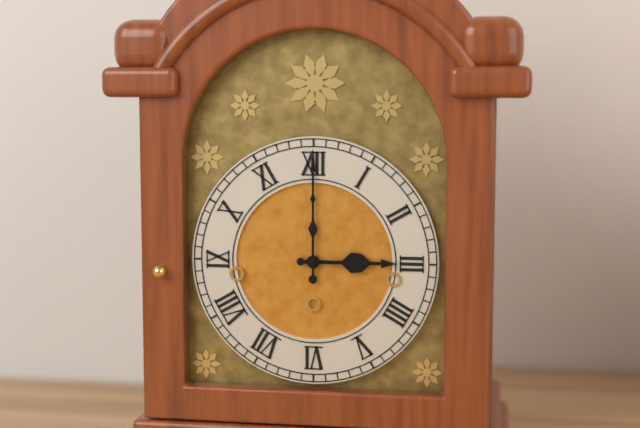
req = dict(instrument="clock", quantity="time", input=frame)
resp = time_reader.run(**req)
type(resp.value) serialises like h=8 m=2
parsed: h=3 m=0
